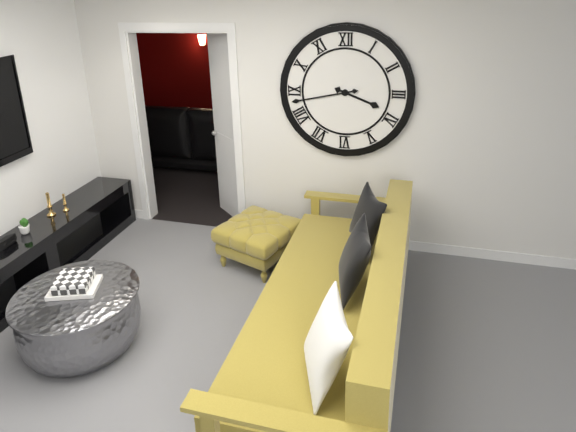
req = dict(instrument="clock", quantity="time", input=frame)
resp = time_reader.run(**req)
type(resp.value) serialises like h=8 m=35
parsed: h=3 m=43
